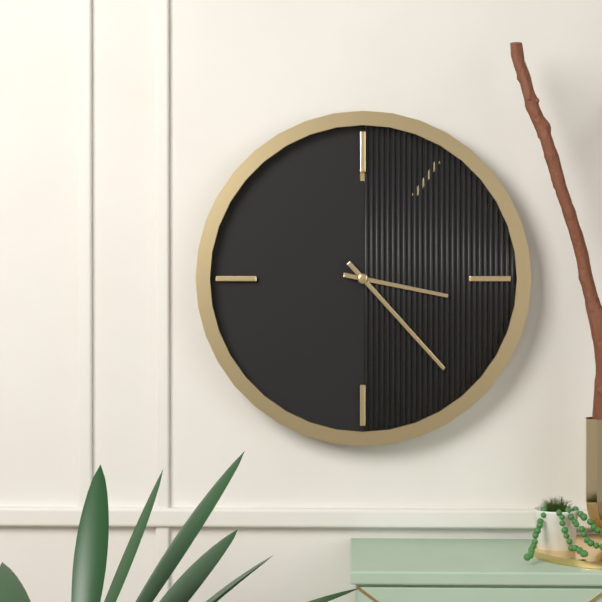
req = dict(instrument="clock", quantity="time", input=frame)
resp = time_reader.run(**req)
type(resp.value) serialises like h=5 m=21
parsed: h=3 m=23
